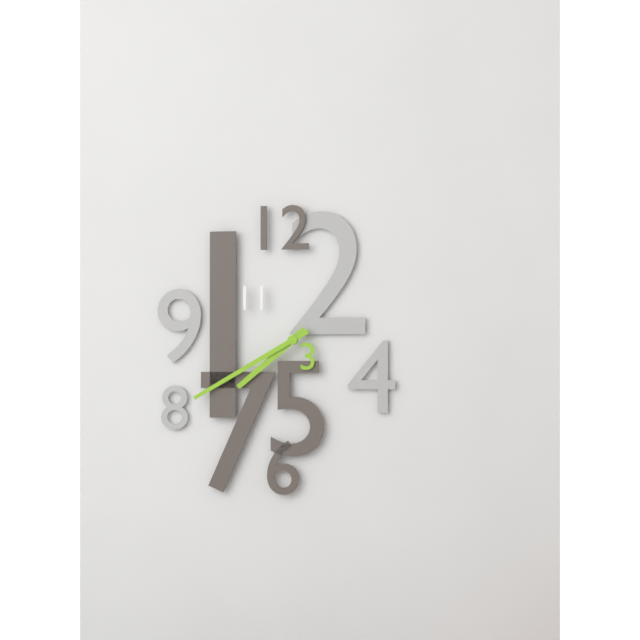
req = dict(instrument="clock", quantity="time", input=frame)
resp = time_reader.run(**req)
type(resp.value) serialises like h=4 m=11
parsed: h=7 m=40
